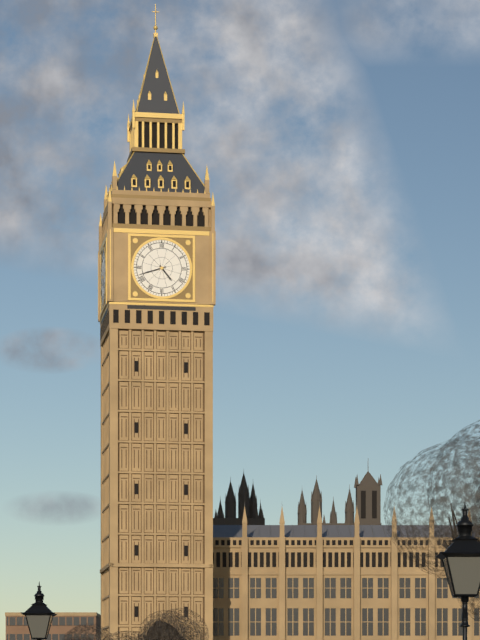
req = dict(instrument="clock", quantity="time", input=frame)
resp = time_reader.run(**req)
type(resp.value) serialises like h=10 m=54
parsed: h=4 m=42
